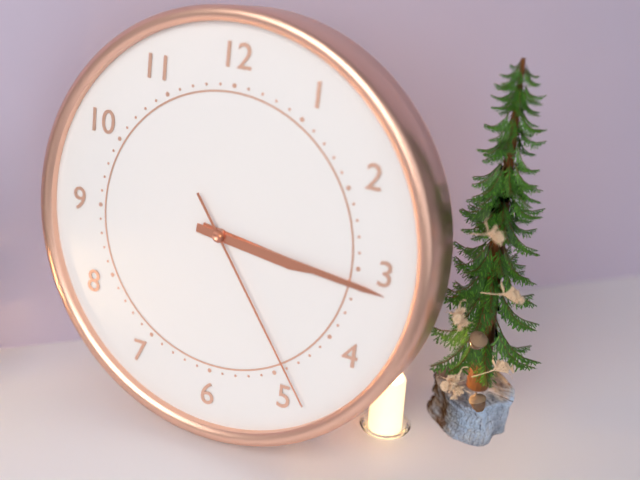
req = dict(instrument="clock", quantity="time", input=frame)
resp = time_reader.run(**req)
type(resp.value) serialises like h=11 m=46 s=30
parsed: h=3 m=16 s=24
